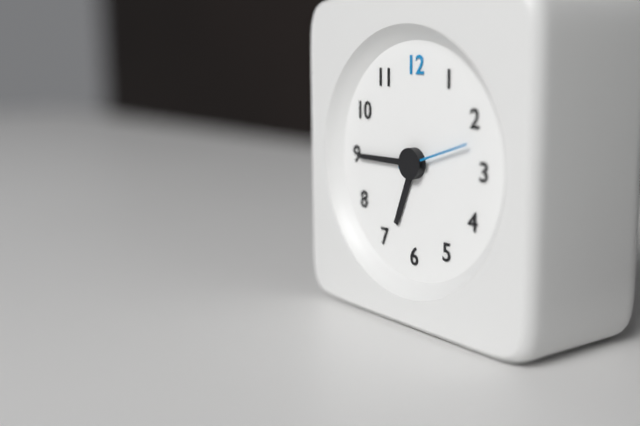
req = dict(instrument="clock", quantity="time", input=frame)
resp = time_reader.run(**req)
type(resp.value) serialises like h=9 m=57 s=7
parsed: h=6 m=45 s=12
